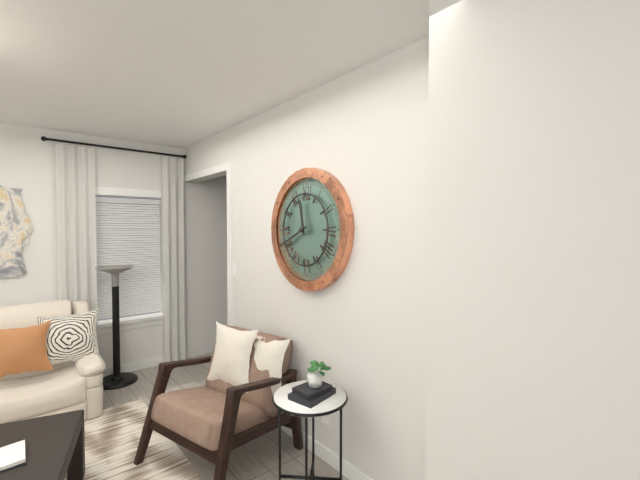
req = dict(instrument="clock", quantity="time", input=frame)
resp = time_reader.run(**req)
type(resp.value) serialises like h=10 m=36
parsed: h=11 m=41
